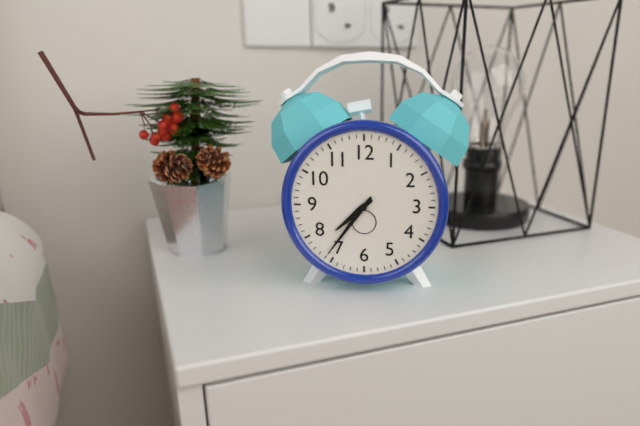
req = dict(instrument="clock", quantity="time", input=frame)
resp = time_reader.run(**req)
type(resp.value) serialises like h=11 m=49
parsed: h=7 m=36
